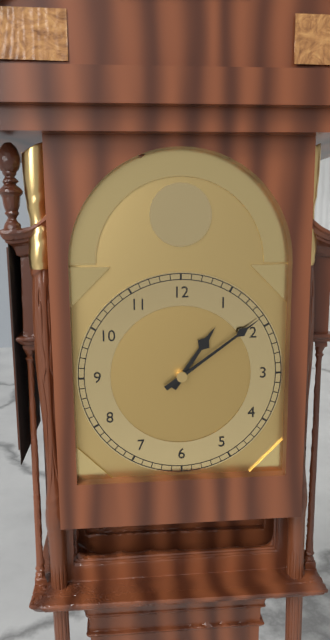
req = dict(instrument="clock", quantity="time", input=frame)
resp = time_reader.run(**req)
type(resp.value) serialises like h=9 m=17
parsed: h=1 m=9
